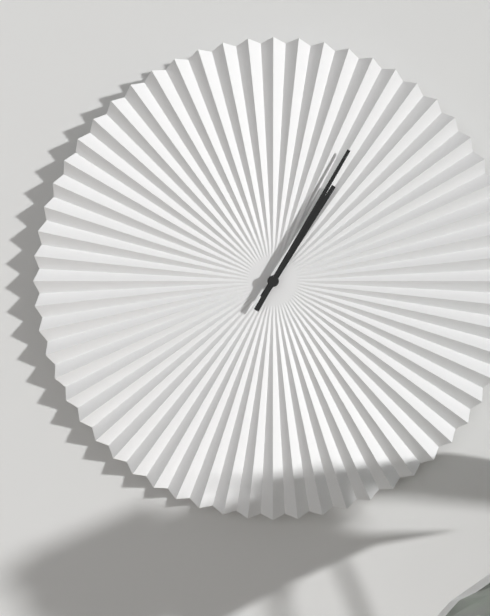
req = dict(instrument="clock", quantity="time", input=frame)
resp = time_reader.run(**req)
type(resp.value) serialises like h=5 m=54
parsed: h=1 m=5
